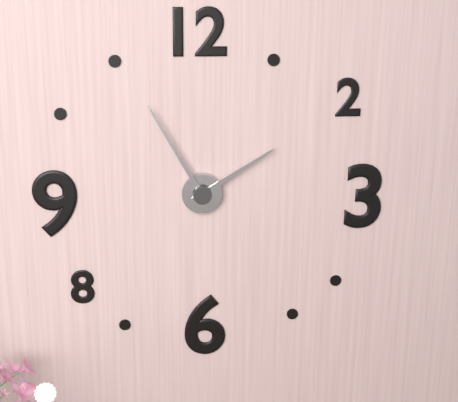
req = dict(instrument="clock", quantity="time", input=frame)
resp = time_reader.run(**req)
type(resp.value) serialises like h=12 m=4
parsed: h=1 m=55
